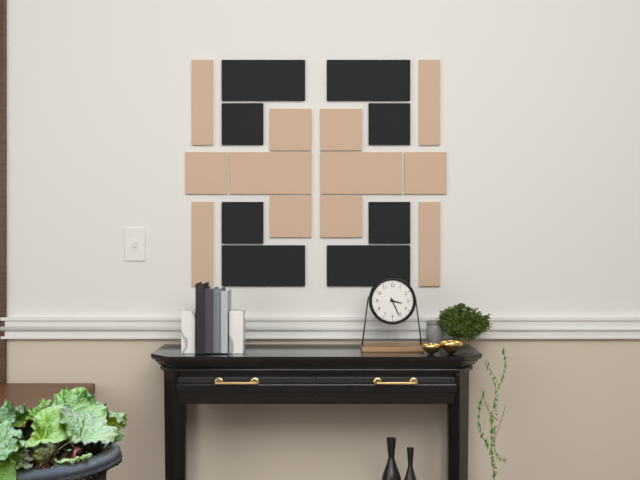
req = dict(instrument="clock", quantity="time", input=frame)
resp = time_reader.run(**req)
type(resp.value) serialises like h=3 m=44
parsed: h=3 m=26
